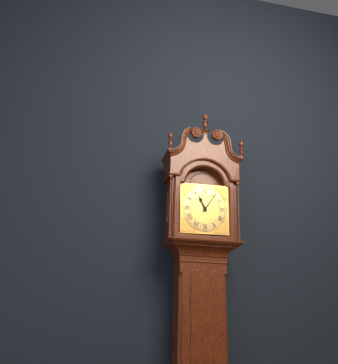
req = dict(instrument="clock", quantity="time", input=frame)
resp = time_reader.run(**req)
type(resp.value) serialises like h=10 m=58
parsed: h=11 m=6
